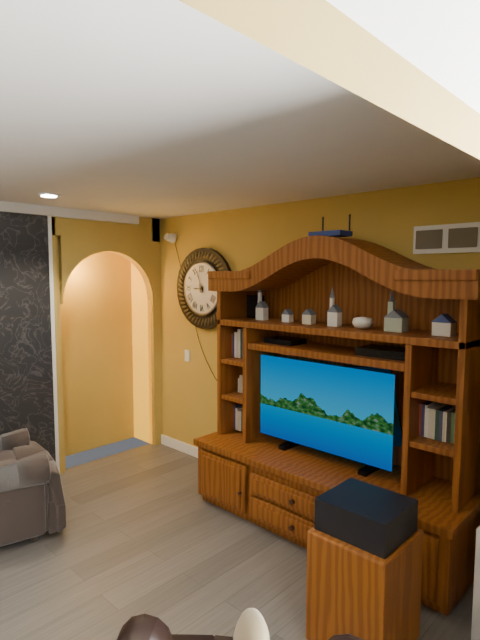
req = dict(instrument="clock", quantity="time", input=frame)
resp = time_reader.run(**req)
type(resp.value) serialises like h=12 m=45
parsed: h=8 m=57
